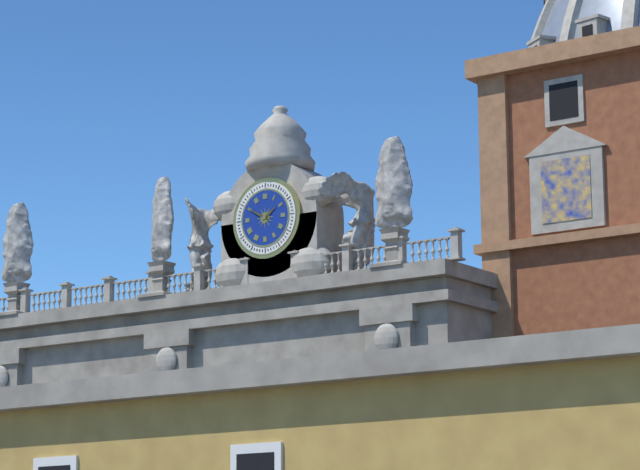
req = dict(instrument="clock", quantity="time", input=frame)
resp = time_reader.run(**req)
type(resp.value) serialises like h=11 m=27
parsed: h=1 m=50
